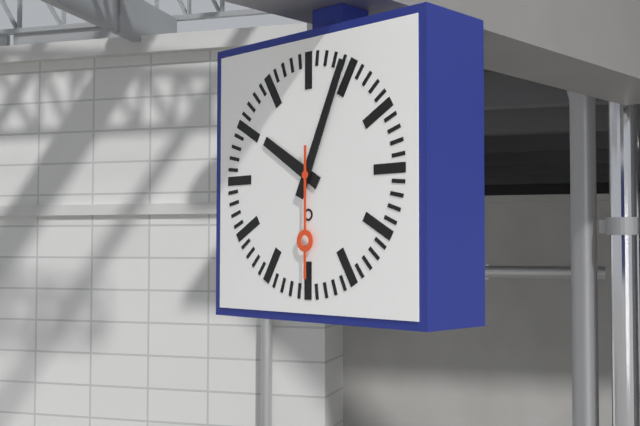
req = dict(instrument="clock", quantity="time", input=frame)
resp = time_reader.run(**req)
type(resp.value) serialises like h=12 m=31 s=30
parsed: h=10 m=4 s=30
